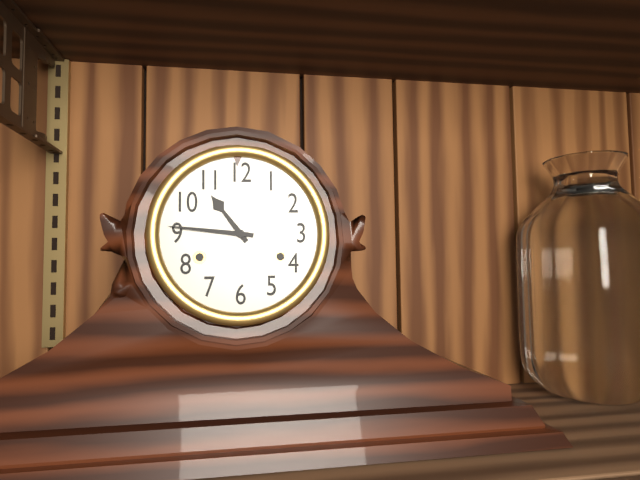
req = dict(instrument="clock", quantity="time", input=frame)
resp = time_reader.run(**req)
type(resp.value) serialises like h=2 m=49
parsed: h=10 m=46
